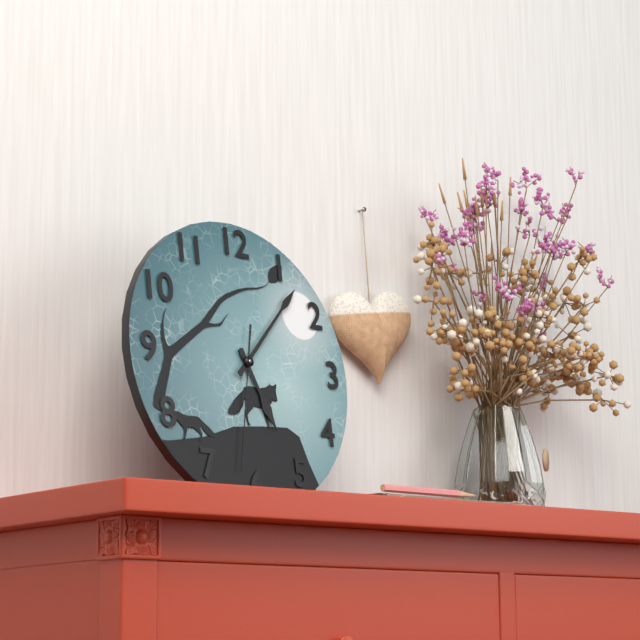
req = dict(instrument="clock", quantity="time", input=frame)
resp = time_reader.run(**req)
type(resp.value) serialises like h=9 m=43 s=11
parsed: h=5 m=7 s=32
